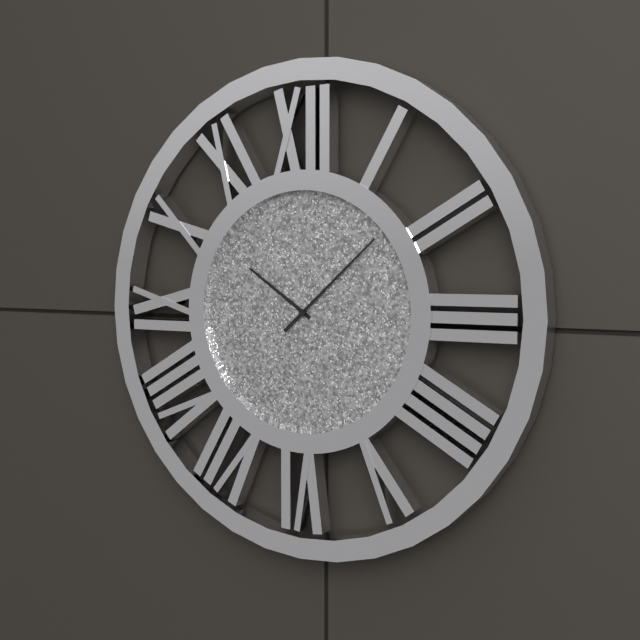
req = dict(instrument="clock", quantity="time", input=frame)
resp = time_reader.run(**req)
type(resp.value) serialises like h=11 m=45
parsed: h=10 m=8
